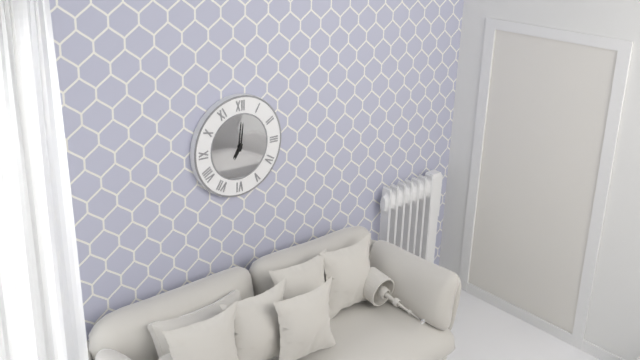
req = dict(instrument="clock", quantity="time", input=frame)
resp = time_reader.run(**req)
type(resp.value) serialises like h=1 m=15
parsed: h=7 m=1
